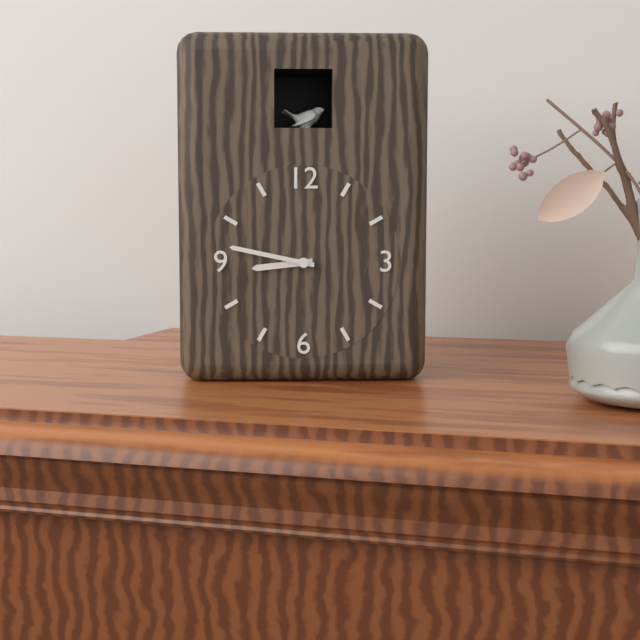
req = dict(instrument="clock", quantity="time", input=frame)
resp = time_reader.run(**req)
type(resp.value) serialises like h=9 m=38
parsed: h=8 m=47
